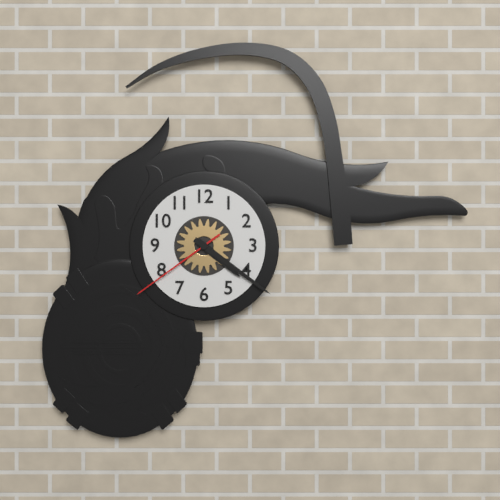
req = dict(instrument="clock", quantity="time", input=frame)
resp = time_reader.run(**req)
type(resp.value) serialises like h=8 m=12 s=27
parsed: h=4 m=21 s=39
